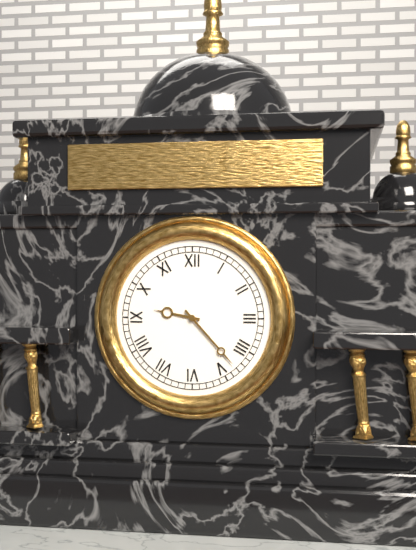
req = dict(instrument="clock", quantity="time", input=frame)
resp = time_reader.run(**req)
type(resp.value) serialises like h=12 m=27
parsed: h=9 m=23
